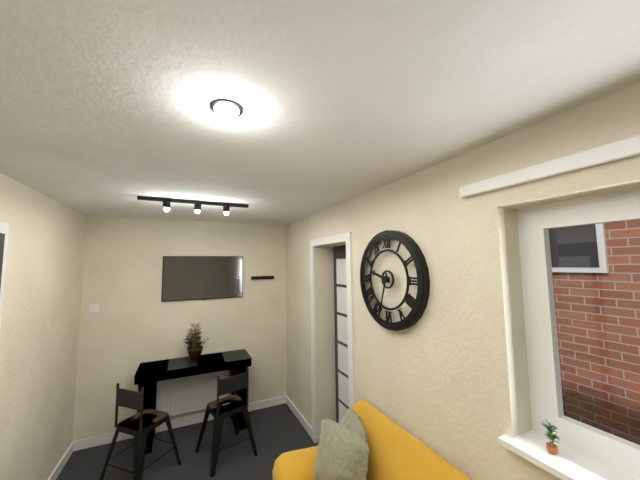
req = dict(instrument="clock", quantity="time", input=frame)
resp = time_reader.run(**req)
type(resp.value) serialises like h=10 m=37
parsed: h=9 m=33
